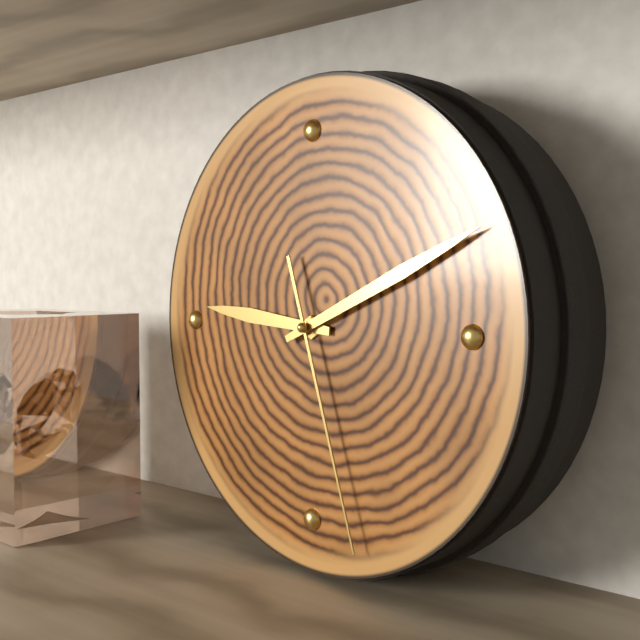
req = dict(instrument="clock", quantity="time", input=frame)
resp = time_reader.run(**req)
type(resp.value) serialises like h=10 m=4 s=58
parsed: h=9 m=11 s=27
